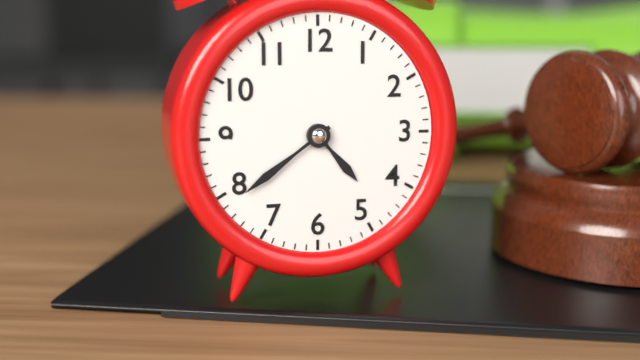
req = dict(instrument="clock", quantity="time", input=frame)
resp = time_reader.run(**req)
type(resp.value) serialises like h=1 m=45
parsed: h=4 m=39
